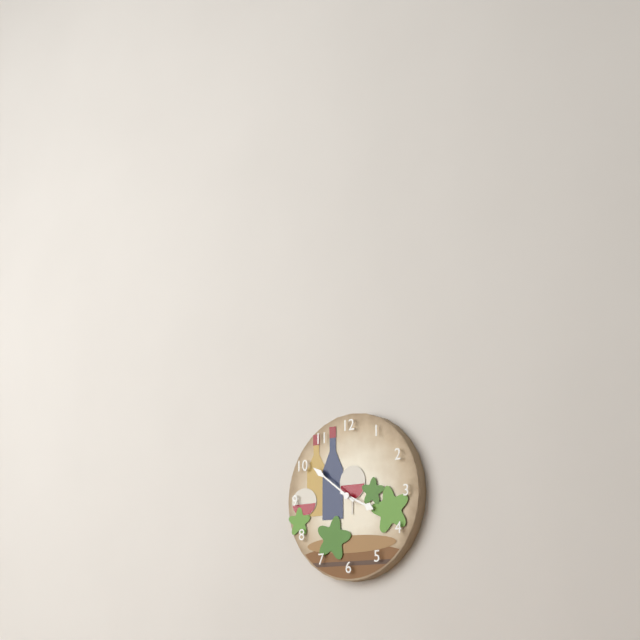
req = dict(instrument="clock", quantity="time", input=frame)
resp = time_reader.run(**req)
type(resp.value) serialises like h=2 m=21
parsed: h=3 m=51
